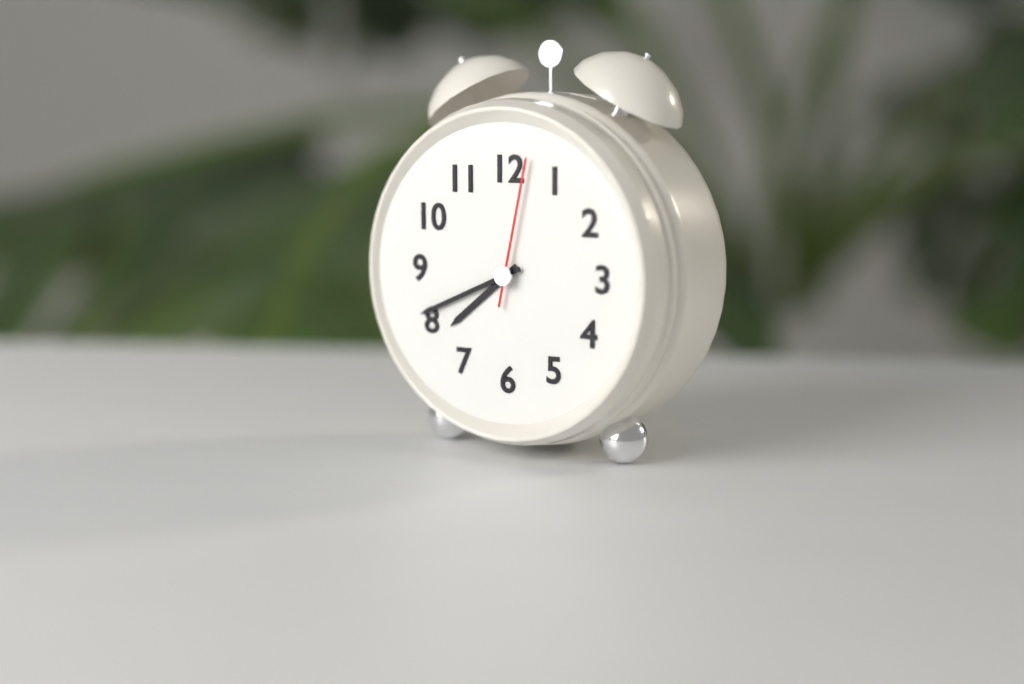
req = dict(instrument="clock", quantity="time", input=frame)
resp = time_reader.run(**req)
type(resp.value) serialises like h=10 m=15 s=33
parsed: h=7 m=41 s=2
